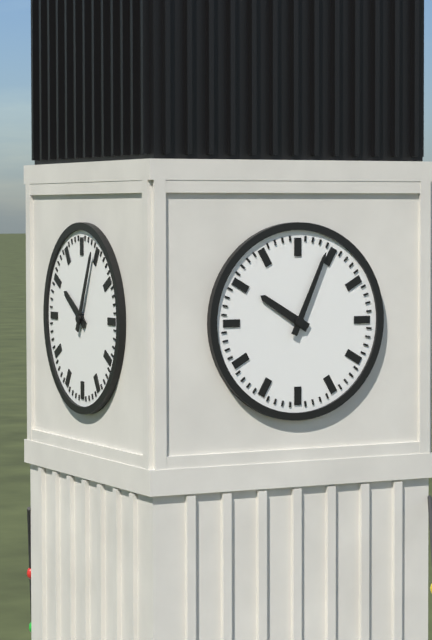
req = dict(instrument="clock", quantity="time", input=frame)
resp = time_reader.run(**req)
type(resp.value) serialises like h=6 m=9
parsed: h=10 m=4
